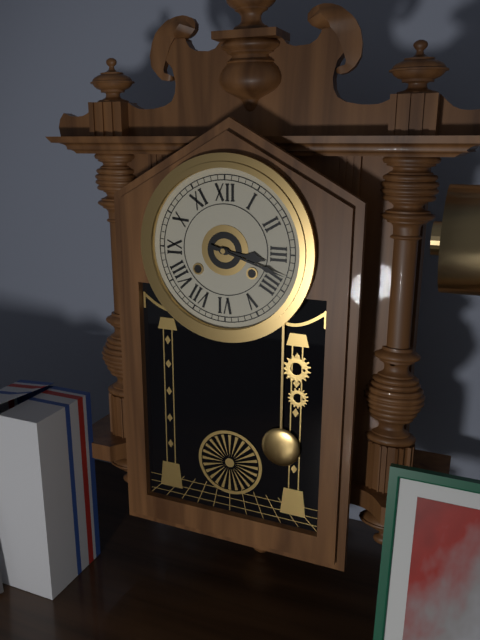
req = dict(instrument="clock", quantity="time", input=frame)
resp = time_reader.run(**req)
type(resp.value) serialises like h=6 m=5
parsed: h=3 m=18
